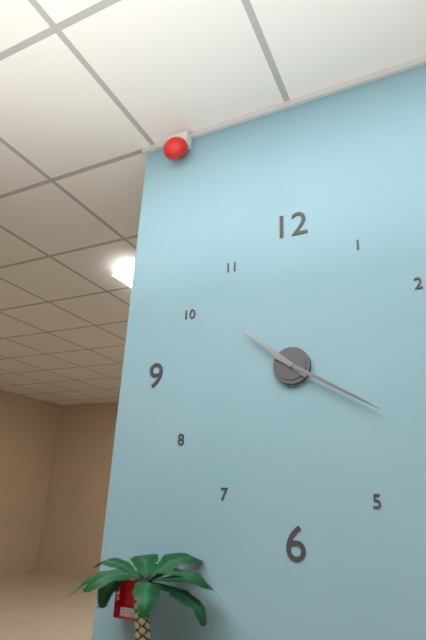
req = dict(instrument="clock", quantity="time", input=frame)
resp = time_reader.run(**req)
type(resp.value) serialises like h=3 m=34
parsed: h=10 m=20
